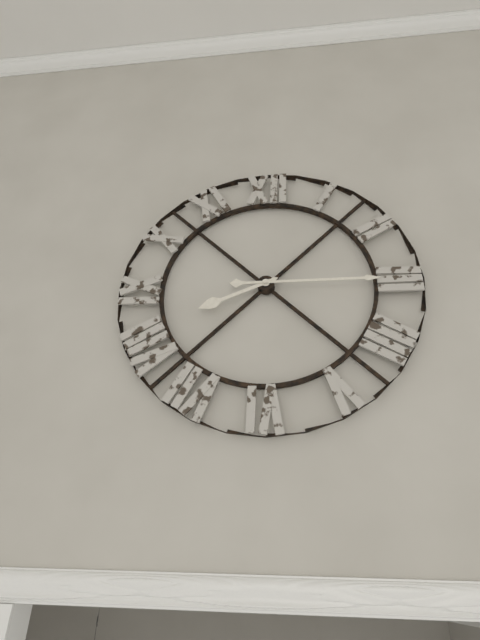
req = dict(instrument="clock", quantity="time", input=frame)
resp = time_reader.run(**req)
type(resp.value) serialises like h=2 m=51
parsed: h=8 m=15
